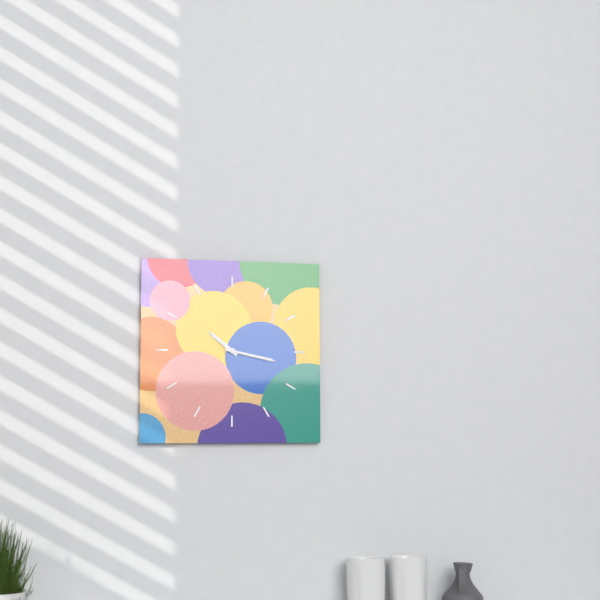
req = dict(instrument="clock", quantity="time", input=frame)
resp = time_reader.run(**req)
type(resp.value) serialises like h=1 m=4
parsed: h=10 m=17
